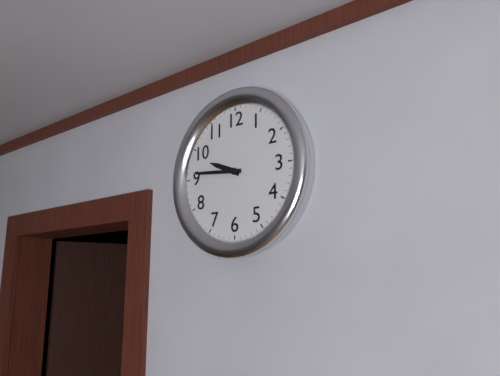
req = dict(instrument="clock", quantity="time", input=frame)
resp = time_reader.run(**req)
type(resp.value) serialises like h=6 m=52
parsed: h=9 m=46
